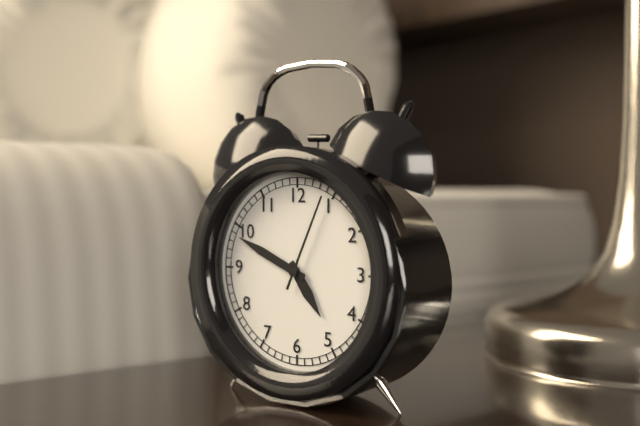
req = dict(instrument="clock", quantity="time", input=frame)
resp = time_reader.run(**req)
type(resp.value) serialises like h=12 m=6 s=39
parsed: h=4 m=49 s=4
